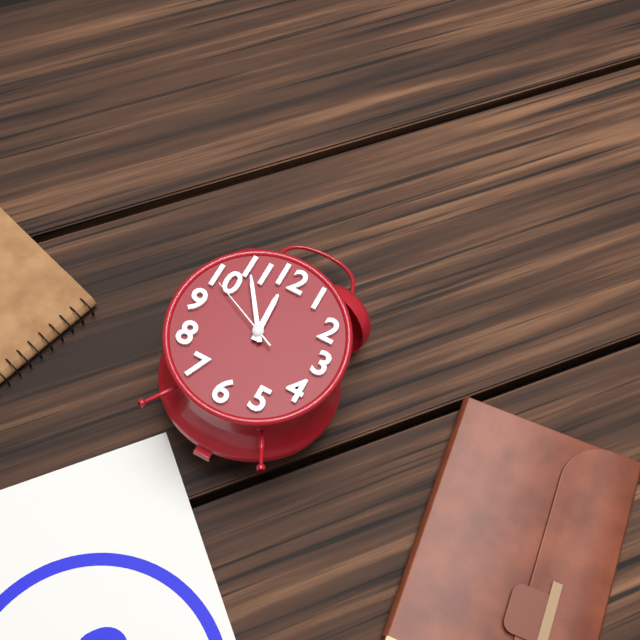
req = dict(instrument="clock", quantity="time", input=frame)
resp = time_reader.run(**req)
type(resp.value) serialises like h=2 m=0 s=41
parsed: h=11 m=54 s=49
